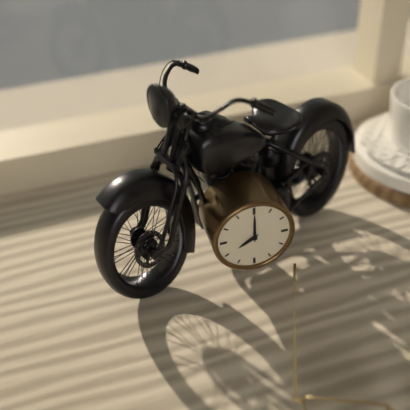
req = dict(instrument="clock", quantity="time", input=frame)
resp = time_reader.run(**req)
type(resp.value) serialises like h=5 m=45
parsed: h=8 m=0
